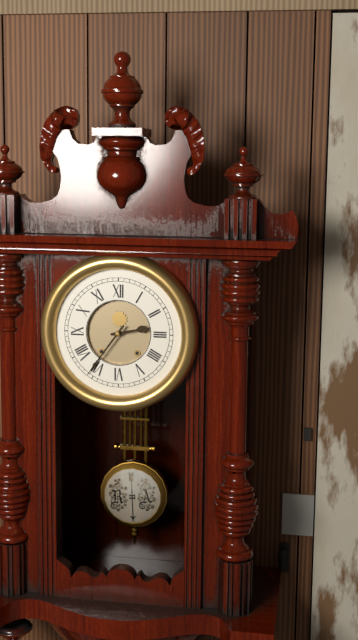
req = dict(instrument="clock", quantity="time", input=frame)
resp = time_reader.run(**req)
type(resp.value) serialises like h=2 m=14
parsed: h=2 m=36
